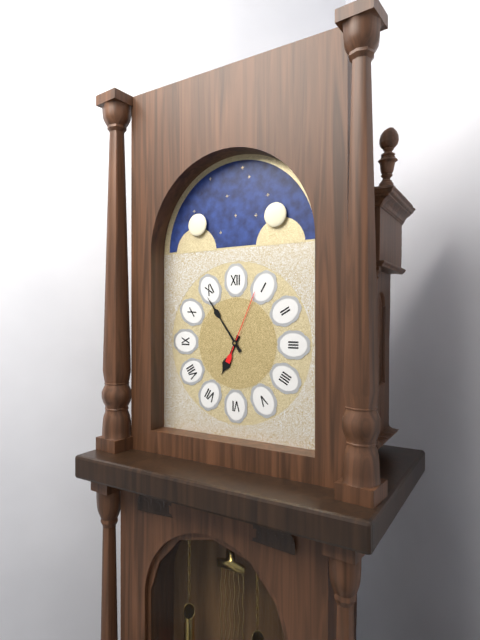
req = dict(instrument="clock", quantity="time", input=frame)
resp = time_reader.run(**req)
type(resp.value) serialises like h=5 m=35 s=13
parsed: h=6 m=54 s=4
